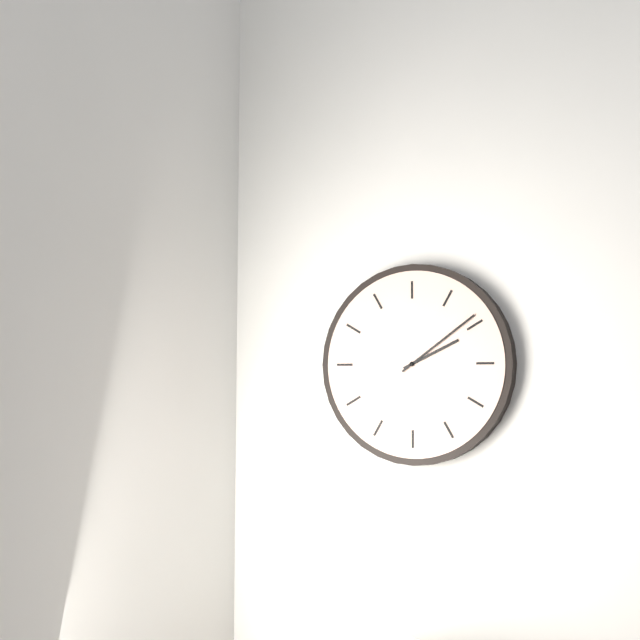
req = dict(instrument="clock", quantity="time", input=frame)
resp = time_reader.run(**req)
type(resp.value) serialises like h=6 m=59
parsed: h=2 m=9
